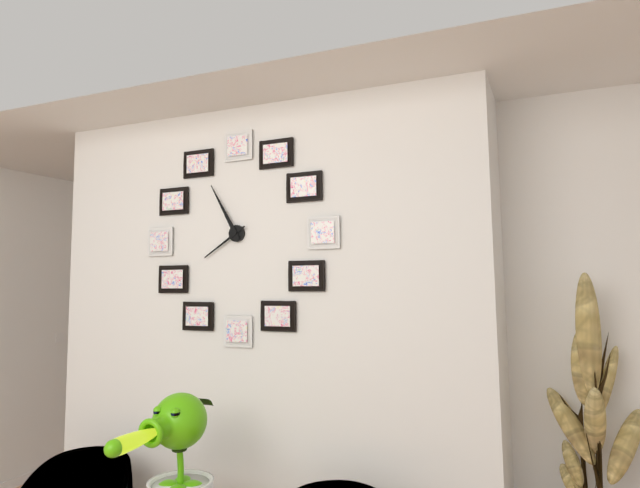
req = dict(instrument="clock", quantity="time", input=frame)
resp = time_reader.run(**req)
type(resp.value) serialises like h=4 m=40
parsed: h=7 m=55
